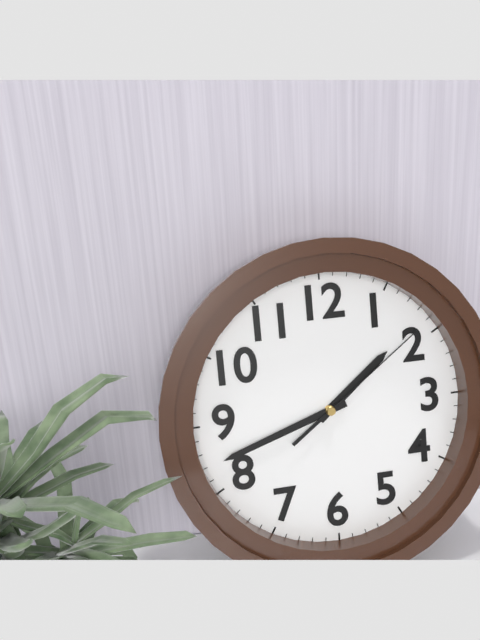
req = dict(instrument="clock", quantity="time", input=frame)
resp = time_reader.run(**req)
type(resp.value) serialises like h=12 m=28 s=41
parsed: h=1 m=42 s=9
